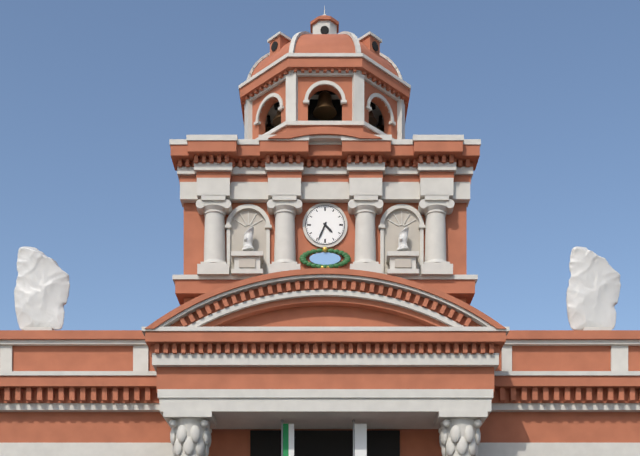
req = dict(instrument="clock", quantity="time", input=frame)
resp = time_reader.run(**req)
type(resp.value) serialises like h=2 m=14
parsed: h=4 m=34
